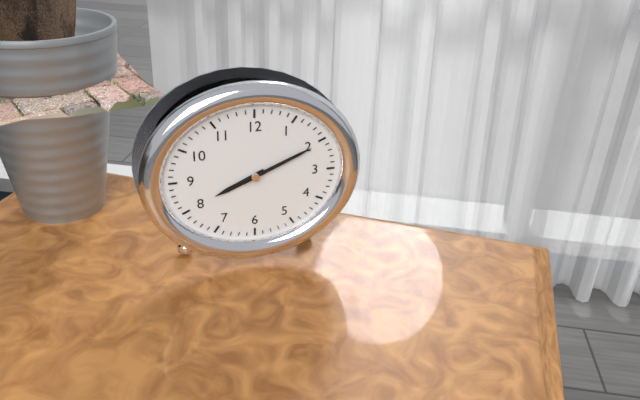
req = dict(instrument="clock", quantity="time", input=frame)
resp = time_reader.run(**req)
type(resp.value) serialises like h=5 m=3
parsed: h=8 m=11
